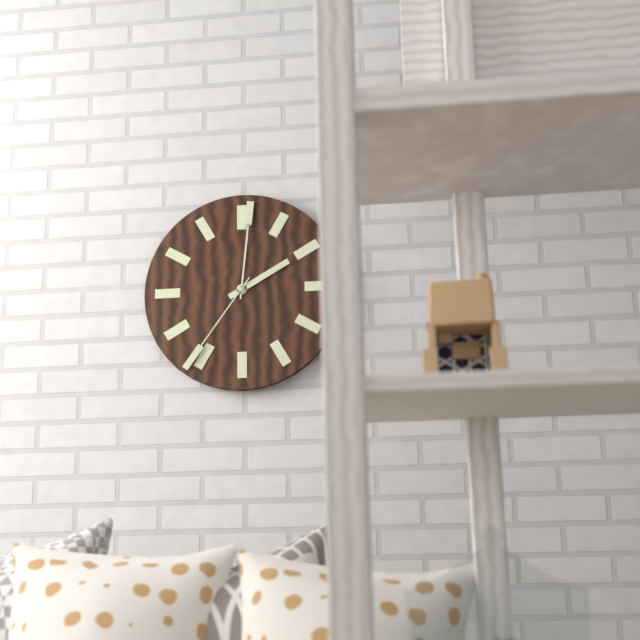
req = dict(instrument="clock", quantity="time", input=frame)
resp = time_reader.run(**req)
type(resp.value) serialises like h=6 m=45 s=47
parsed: h=2 m=1 s=36
